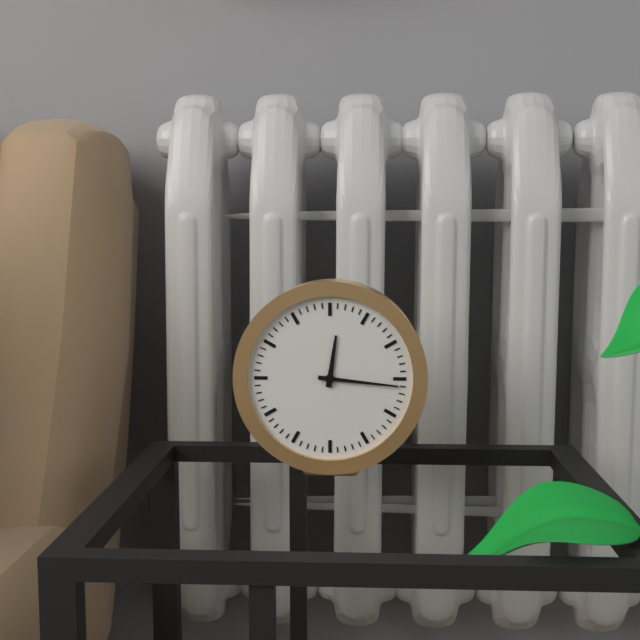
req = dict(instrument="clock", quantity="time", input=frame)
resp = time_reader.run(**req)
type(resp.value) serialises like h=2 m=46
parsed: h=12 m=16
